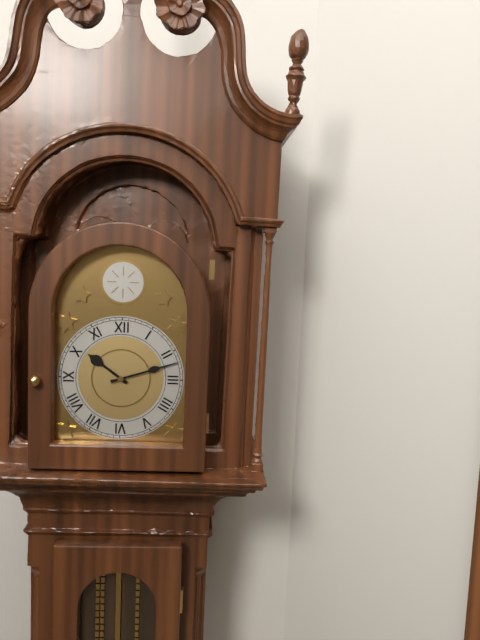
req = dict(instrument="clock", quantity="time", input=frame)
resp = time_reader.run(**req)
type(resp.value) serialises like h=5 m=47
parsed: h=10 m=12
